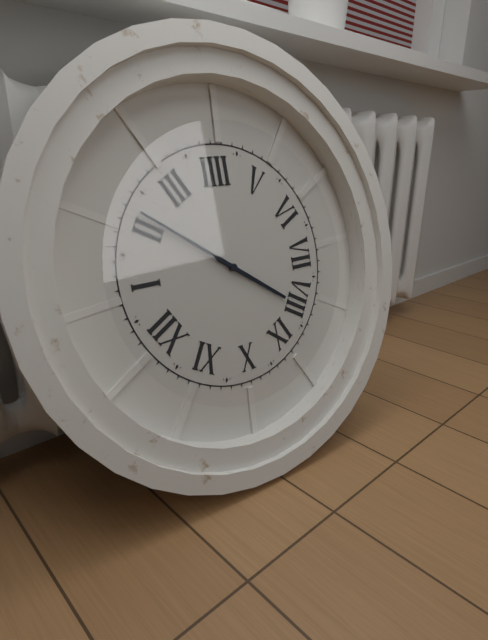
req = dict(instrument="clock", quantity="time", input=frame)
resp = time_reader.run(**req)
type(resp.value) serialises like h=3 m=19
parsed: h=8 m=11
